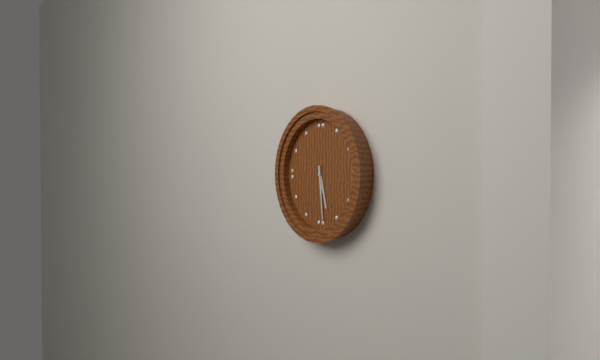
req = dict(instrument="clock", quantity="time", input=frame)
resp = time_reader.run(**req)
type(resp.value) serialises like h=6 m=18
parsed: h=5 m=29
